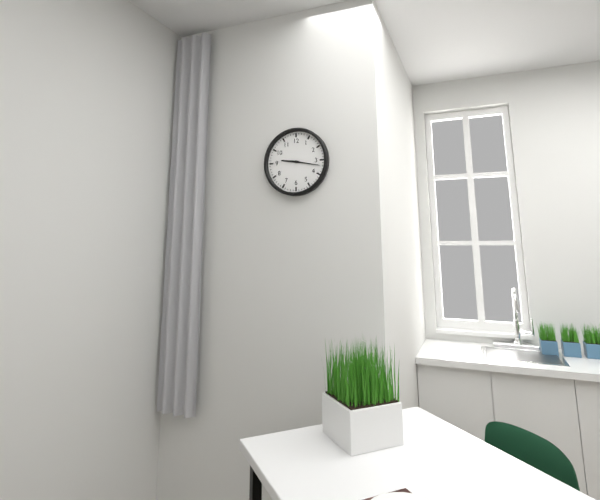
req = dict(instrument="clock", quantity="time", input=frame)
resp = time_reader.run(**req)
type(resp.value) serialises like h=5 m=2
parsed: h=9 m=17
